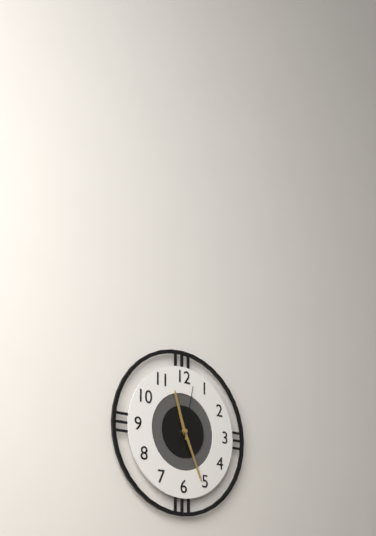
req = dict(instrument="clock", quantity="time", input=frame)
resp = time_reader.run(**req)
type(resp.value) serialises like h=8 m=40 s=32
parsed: h=11 m=26 s=2
